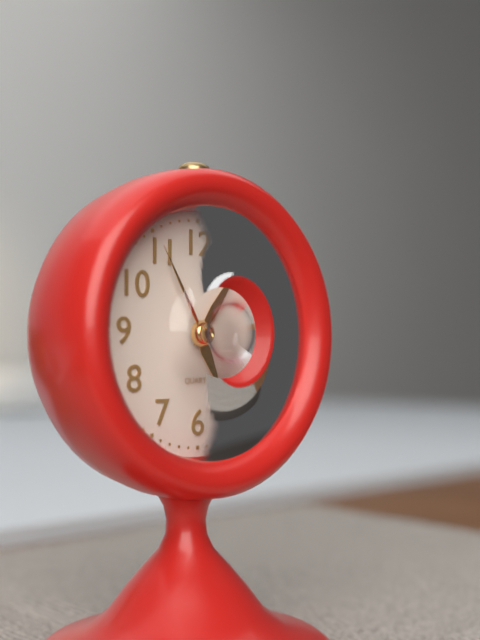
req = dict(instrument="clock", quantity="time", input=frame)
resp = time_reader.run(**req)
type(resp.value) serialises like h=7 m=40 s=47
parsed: h=5 m=6 s=55
